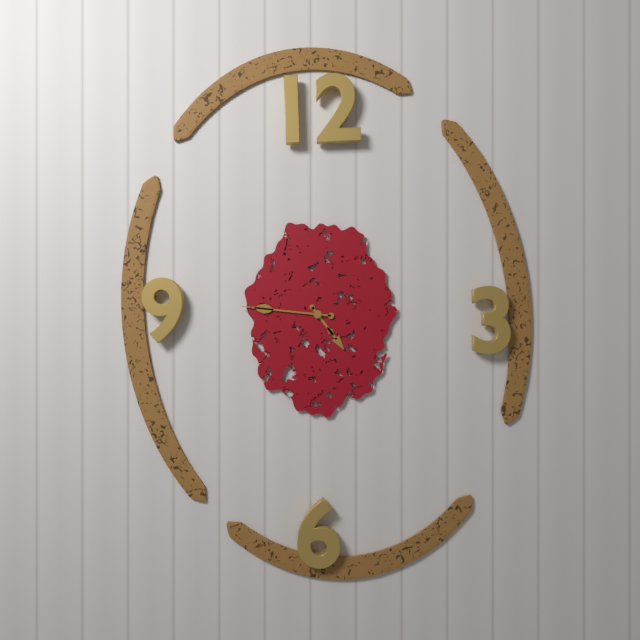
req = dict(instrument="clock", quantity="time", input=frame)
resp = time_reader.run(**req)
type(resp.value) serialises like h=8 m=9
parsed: h=4 m=46
